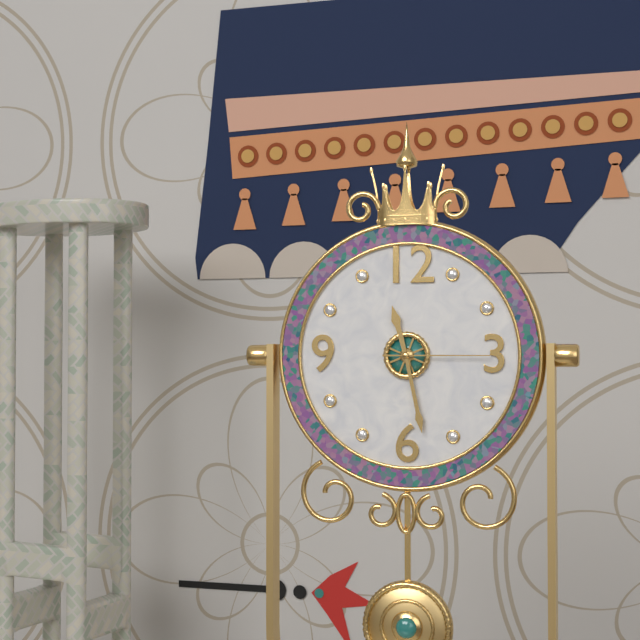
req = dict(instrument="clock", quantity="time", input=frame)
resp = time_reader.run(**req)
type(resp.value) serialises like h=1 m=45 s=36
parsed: h=11 m=28 s=15
